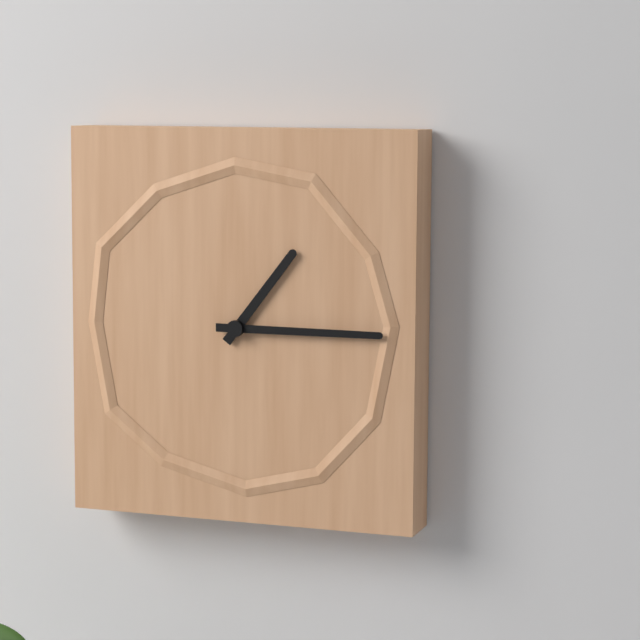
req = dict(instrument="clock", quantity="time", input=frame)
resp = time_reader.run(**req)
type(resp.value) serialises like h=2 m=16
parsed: h=1 m=15
